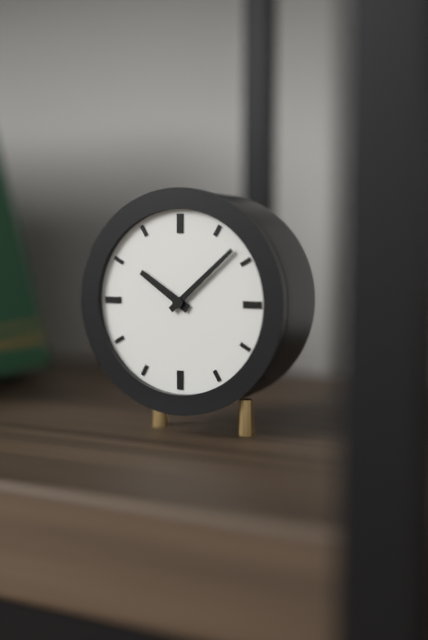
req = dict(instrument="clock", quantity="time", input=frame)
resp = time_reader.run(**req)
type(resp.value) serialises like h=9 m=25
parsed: h=10 m=8
